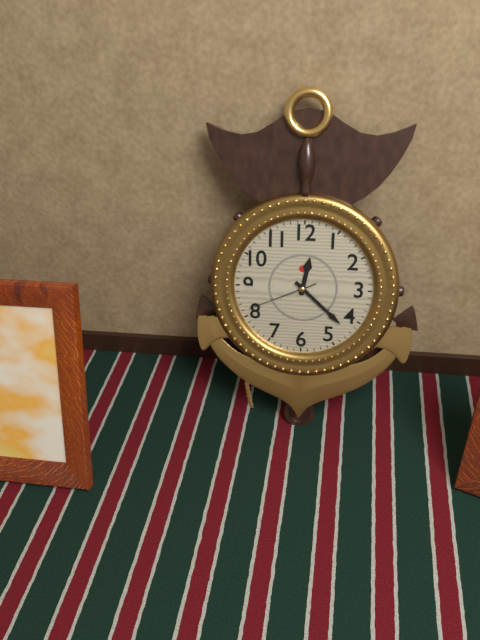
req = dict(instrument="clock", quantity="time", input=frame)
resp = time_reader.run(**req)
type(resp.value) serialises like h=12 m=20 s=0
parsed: h=12 m=22 s=41
